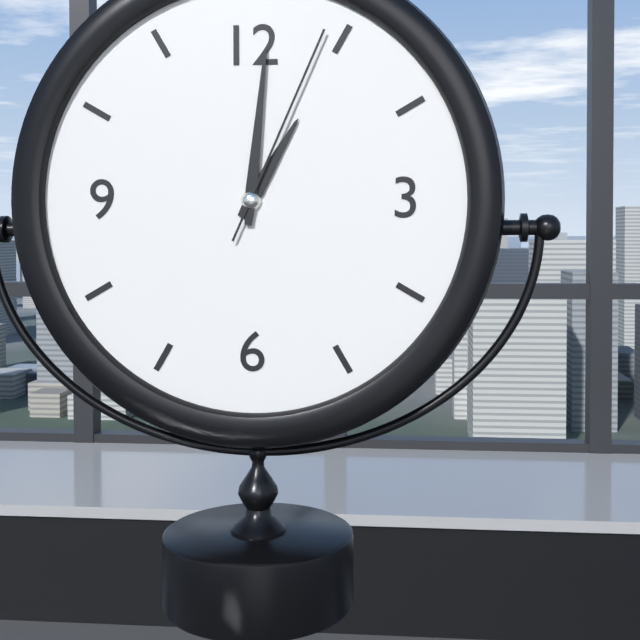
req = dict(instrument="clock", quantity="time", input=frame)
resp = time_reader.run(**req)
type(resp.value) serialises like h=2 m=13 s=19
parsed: h=1 m=1 s=4
